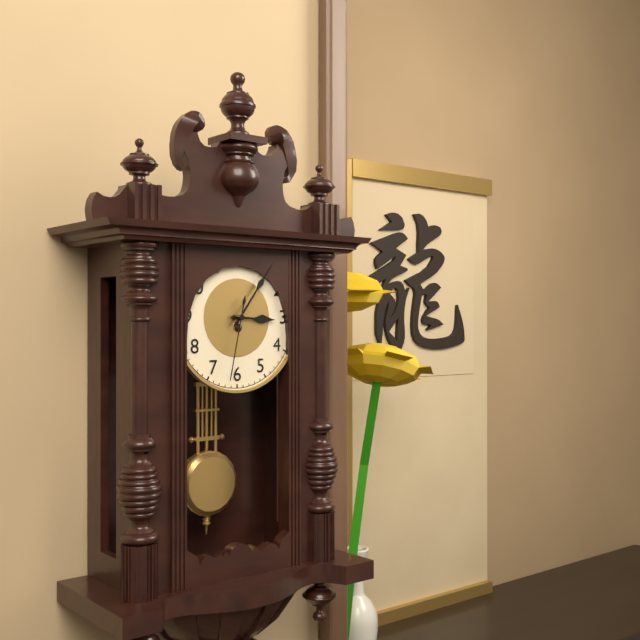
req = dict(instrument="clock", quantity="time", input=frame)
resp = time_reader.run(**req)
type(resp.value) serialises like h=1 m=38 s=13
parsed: h=3 m=6 s=32
